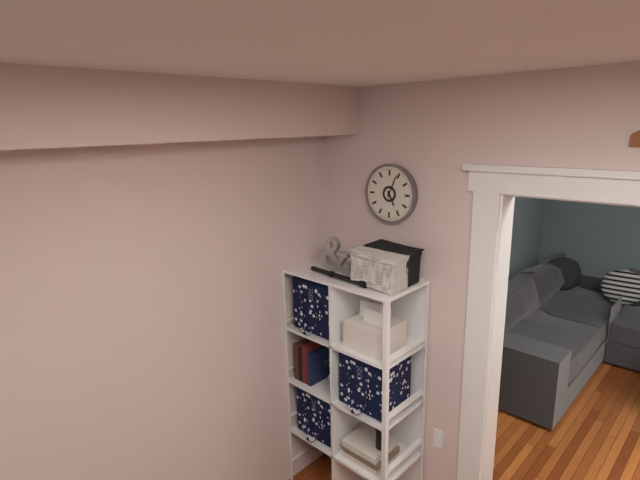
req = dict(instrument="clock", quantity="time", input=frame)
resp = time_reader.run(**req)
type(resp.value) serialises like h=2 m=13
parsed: h=5 m=4
